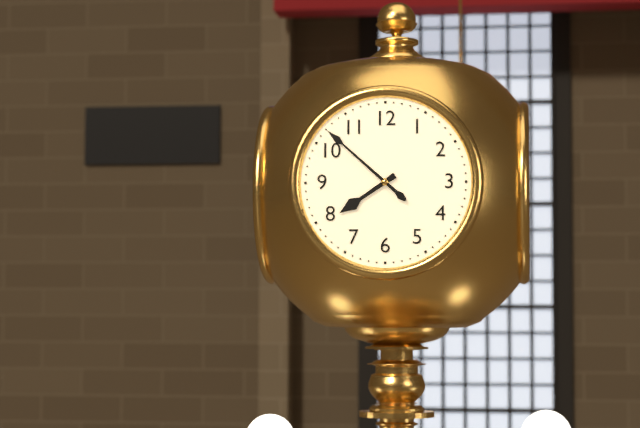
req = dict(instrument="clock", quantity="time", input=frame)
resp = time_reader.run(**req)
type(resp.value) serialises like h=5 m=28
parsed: h=7 m=52
